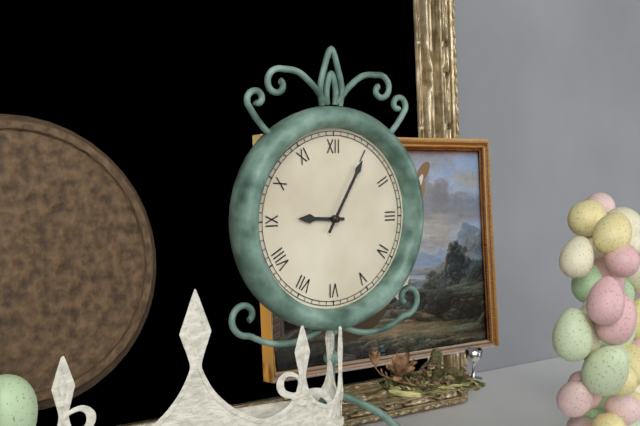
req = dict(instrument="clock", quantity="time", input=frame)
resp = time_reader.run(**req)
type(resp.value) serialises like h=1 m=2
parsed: h=9 m=5
